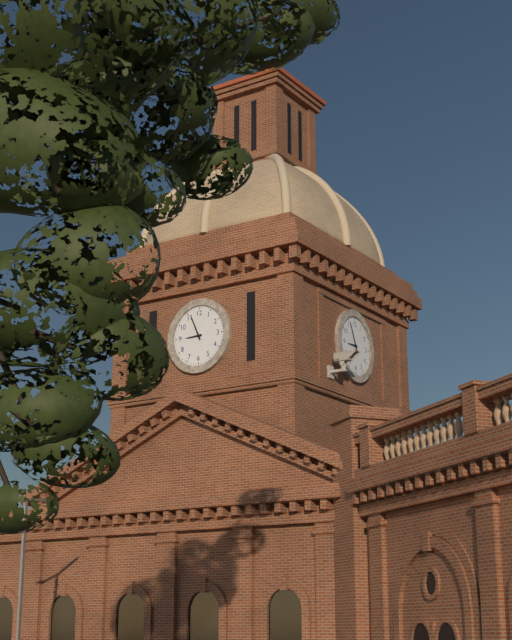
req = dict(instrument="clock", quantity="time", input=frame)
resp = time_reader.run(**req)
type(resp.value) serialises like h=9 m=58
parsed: h=8 m=56
